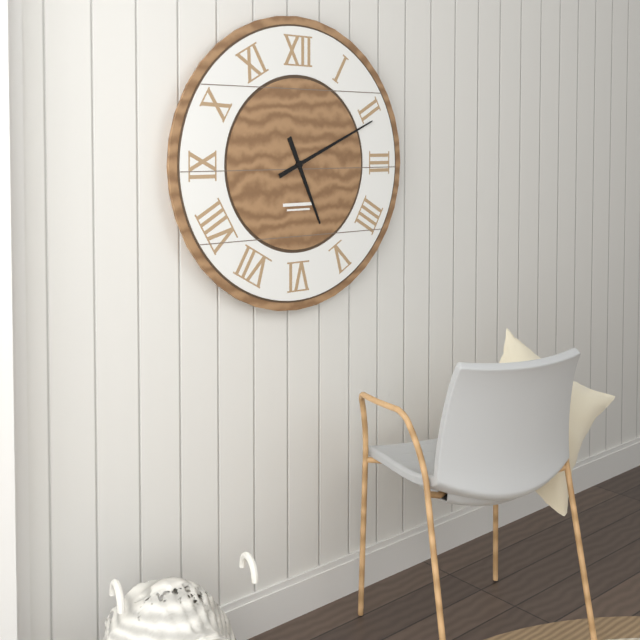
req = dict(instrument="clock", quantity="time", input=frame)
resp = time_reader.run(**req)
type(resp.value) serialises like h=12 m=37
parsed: h=5 m=11
